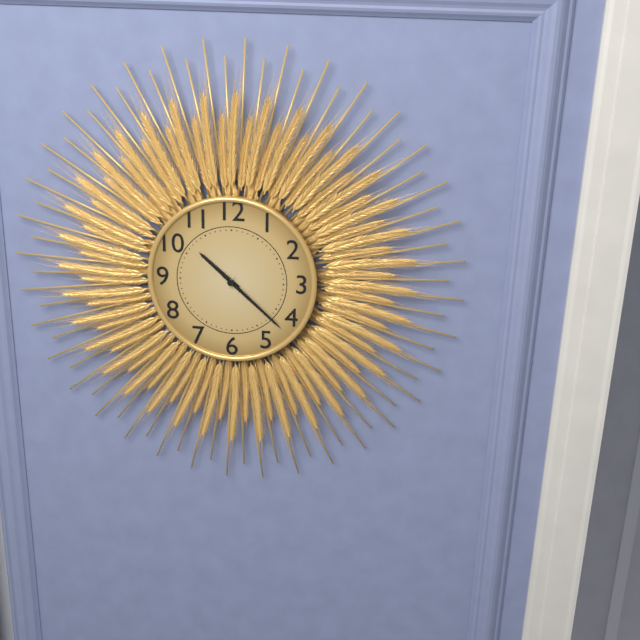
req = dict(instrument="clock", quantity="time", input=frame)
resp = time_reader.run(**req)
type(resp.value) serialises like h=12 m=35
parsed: h=10 m=22
